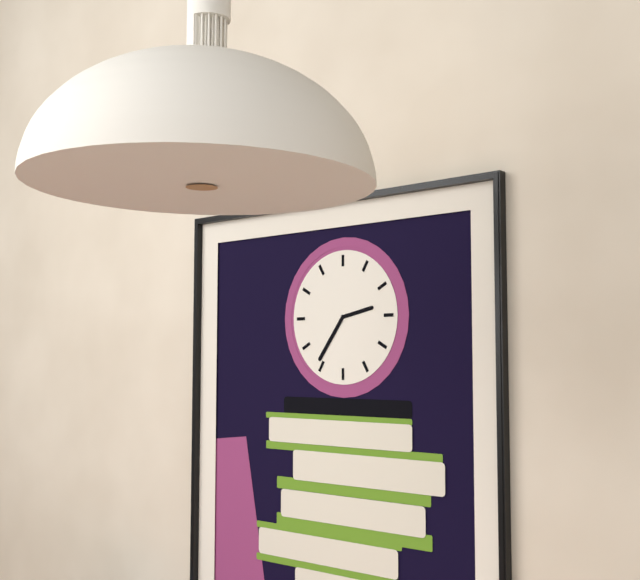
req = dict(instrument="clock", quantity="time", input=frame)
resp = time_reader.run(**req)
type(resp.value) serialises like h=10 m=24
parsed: h=2 m=36
